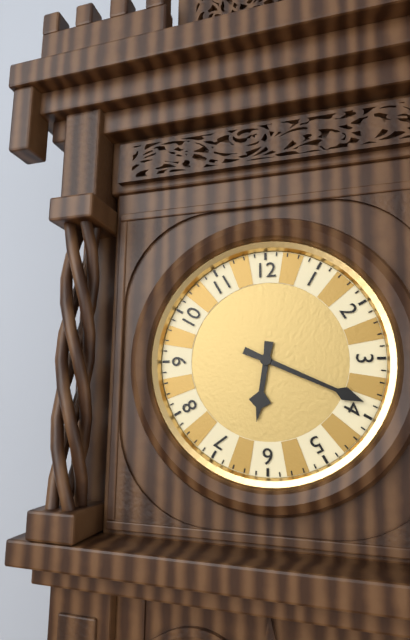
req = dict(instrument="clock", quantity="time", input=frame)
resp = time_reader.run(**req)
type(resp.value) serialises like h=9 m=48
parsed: h=6 m=19
